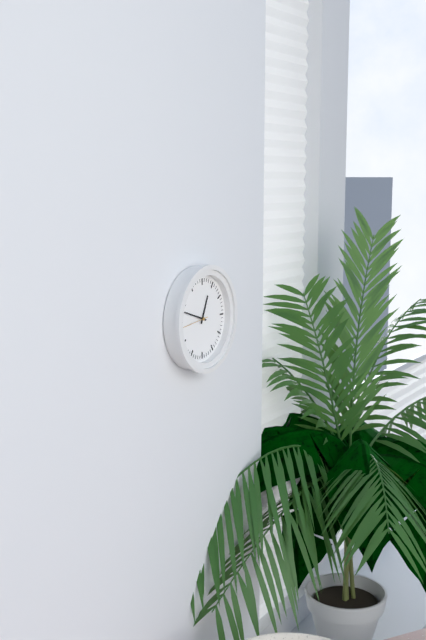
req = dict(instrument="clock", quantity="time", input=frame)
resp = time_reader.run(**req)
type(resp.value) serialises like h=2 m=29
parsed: h=12 m=48
